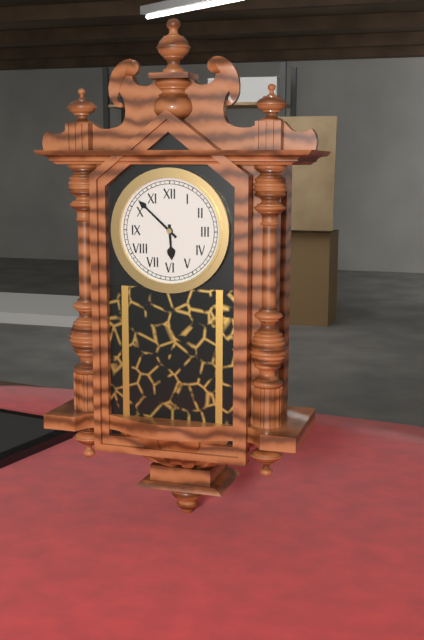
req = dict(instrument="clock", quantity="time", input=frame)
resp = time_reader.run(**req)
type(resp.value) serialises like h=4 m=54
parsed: h=5 m=52
